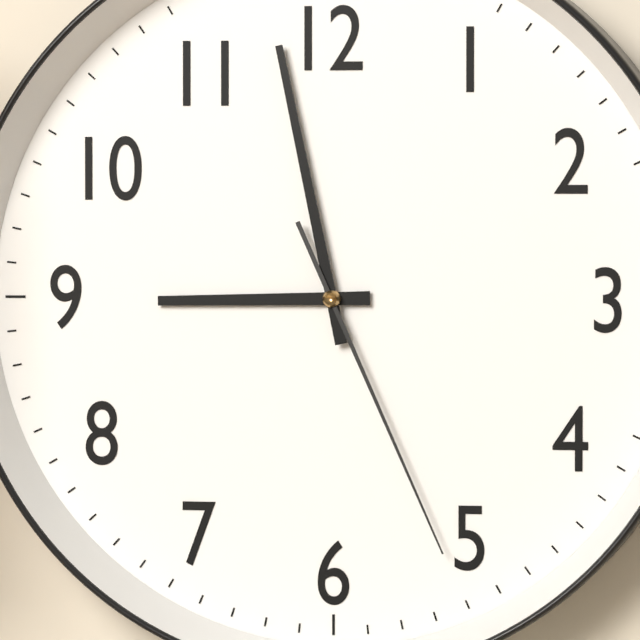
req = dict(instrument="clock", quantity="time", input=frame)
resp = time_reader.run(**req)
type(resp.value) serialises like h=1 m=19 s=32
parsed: h=8 m=58 s=26
